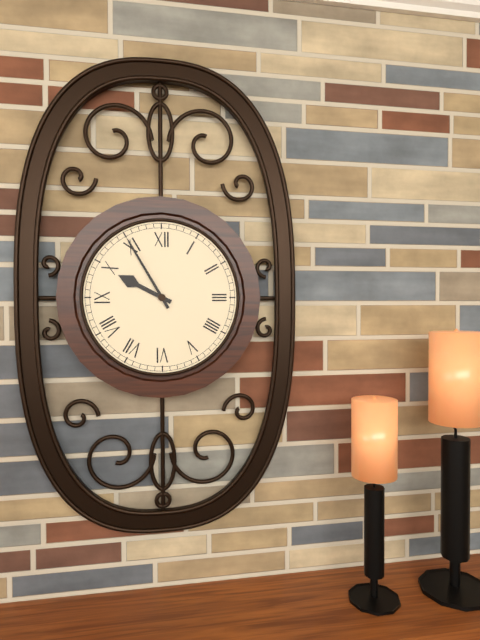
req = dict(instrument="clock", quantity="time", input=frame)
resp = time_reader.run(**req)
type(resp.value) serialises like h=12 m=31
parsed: h=9 m=55
